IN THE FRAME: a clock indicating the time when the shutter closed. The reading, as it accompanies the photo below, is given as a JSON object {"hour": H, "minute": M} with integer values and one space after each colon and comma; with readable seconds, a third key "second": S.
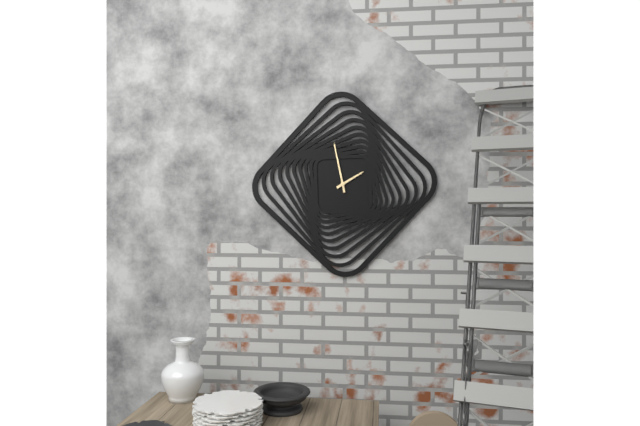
{"hour": 1, "minute": 58}
